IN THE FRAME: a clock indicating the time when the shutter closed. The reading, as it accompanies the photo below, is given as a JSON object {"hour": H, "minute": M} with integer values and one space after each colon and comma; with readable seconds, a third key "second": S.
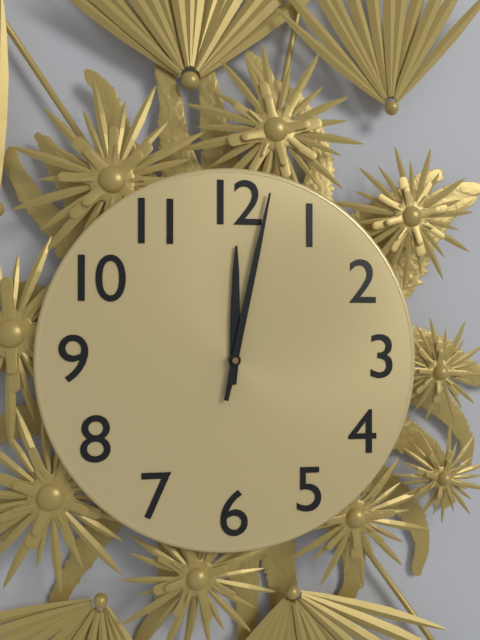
{"hour": 12, "minute": 2}
